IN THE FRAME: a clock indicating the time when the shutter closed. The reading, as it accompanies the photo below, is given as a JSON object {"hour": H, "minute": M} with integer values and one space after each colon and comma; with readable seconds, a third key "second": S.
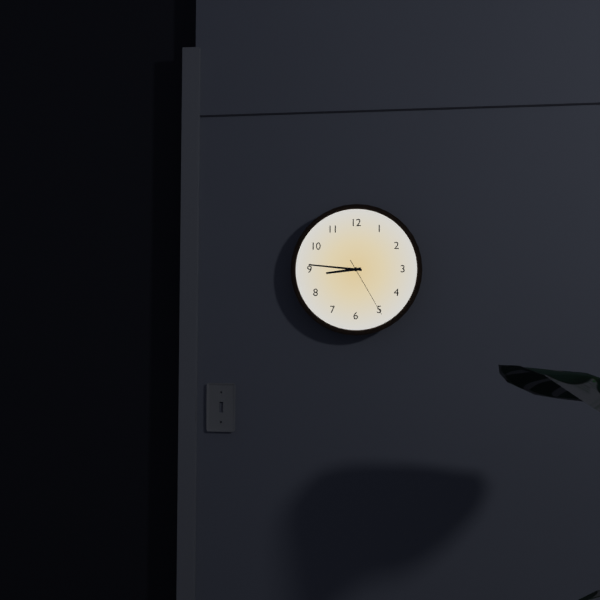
{"hour": 8, "minute": 46, "second": 25}
